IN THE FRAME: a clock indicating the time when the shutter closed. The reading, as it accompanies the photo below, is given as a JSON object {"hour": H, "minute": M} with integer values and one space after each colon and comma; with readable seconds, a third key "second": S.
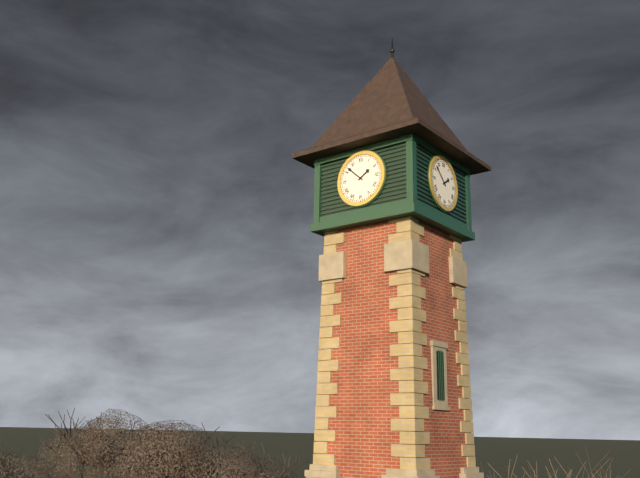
{"hour": 1, "minute": 52}
